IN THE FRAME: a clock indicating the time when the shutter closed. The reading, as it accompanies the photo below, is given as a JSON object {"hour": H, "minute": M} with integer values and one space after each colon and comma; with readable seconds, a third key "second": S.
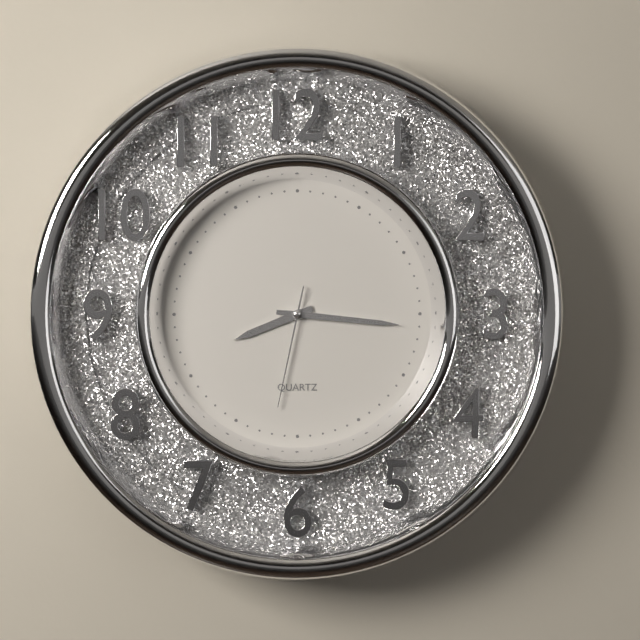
{"hour": 8, "minute": 16, "second": 32}
